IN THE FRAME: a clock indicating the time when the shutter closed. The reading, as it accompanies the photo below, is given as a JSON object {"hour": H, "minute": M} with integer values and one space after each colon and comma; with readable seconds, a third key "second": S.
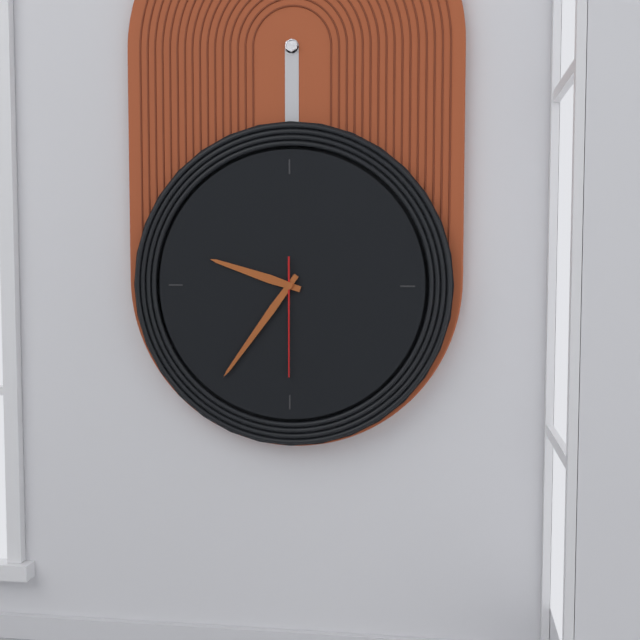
{"hour": 9, "minute": 36, "second": 30}
